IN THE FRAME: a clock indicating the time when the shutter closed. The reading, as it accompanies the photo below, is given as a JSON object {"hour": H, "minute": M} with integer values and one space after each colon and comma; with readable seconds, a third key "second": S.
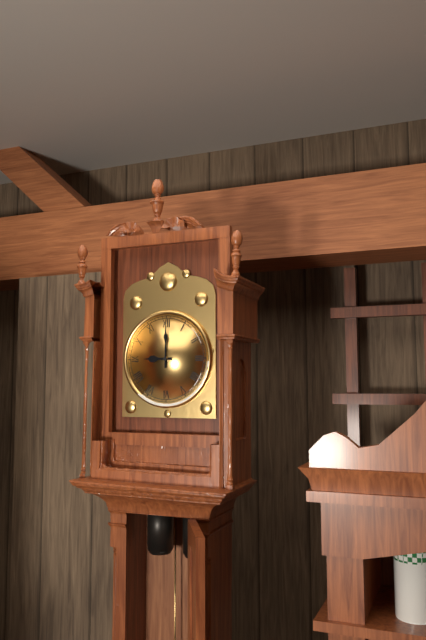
{"hour": 9, "minute": 0}
